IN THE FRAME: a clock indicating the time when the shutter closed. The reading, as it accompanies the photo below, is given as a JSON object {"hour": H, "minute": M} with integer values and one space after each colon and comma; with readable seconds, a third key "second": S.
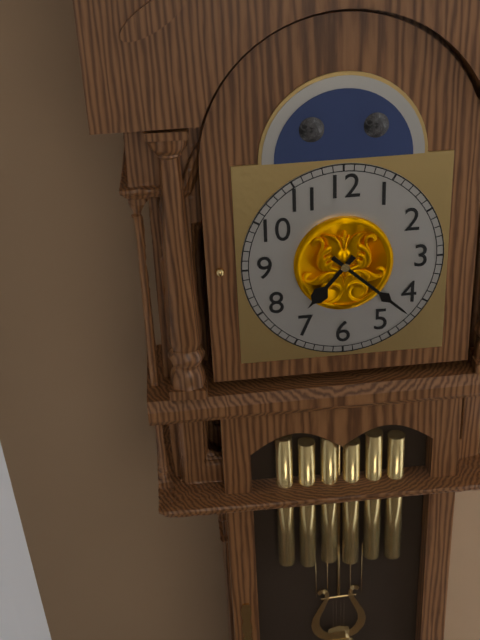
{"hour": 7, "minute": 22}
